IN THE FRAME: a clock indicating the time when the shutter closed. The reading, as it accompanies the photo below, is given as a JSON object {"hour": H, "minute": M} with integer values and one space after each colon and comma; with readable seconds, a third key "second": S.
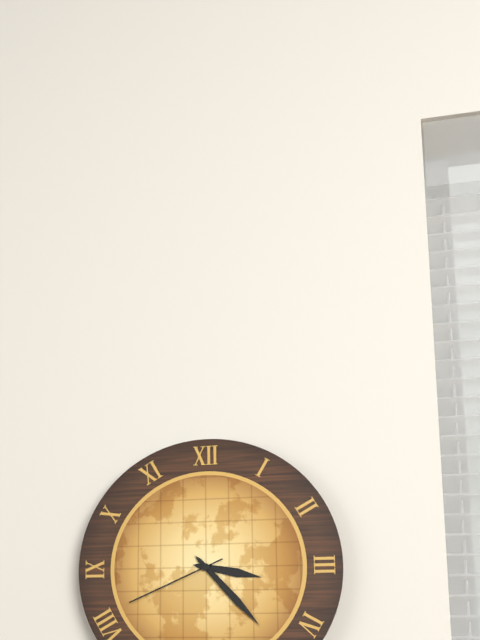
{"hour": 3, "minute": 23, "second": 41}
